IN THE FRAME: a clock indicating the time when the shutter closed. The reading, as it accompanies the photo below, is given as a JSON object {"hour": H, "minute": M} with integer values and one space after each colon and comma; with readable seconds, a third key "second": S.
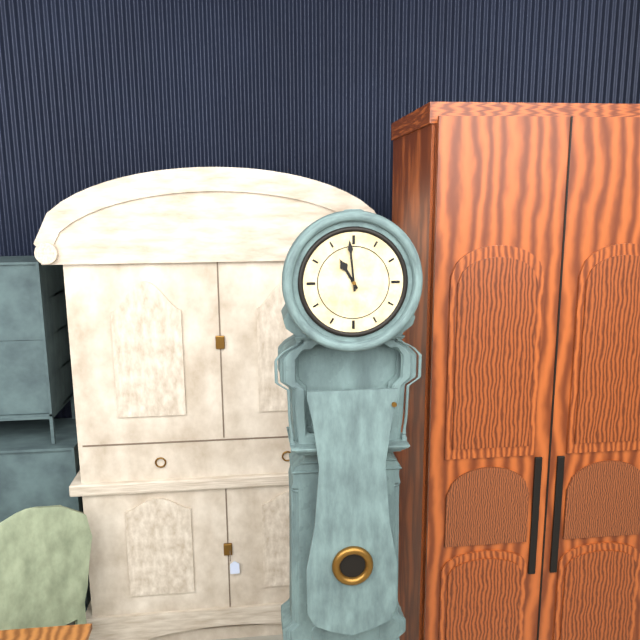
{"hour": 10, "minute": 59}
